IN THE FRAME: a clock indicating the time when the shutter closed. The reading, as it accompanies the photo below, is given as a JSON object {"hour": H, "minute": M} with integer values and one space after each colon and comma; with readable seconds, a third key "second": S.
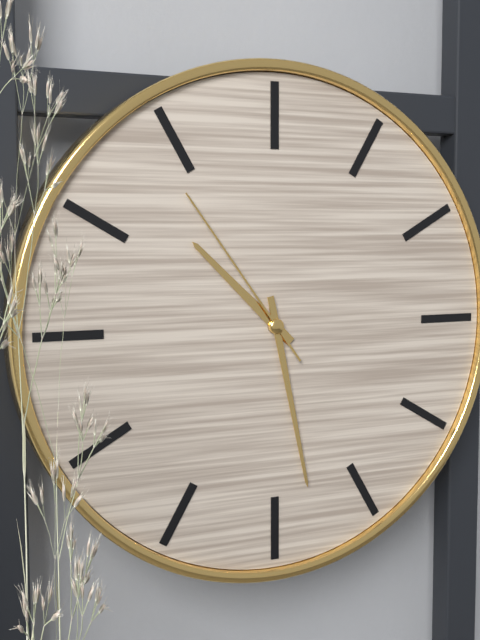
{"hour": 10, "minute": 28, "second": 54}
